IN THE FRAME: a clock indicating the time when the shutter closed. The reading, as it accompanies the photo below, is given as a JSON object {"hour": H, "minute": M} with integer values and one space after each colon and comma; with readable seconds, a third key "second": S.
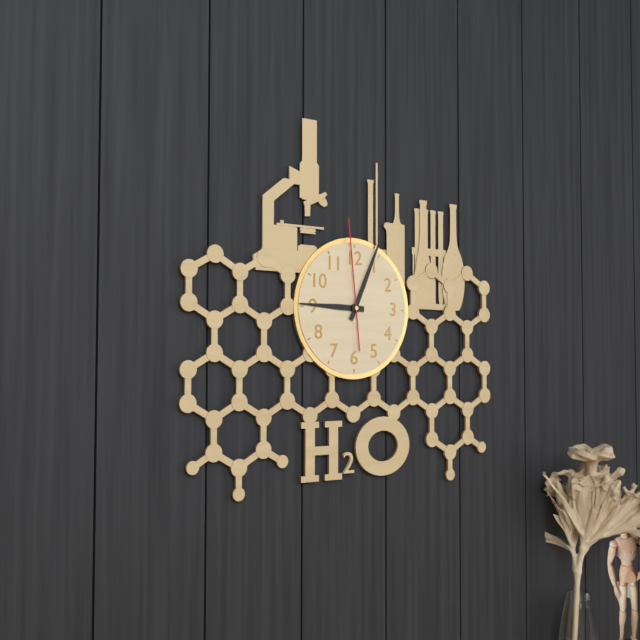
{"hour": 9, "minute": 4, "second": 59}
